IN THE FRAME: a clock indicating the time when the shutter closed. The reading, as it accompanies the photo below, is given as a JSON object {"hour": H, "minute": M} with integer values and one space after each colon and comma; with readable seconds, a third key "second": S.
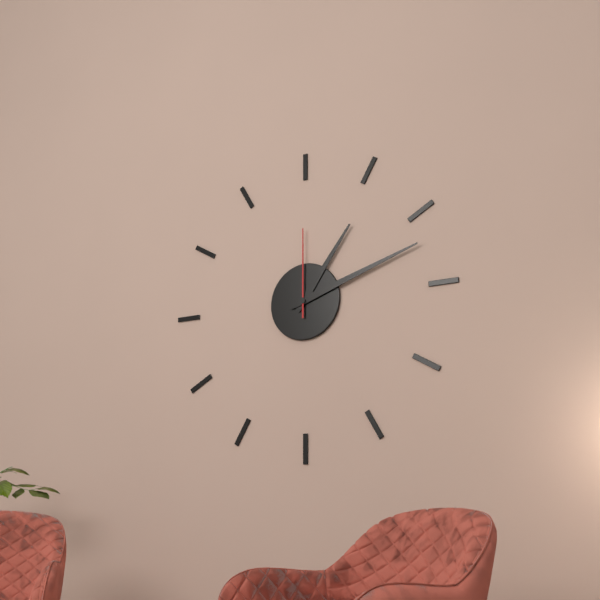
{"hour": 1, "minute": 12, "second": 0}
